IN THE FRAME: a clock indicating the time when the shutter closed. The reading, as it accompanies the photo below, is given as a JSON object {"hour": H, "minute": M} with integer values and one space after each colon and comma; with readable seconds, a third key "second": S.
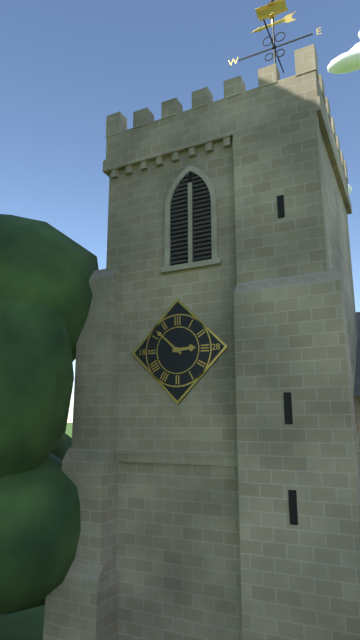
{"hour": 2, "minute": 52}
